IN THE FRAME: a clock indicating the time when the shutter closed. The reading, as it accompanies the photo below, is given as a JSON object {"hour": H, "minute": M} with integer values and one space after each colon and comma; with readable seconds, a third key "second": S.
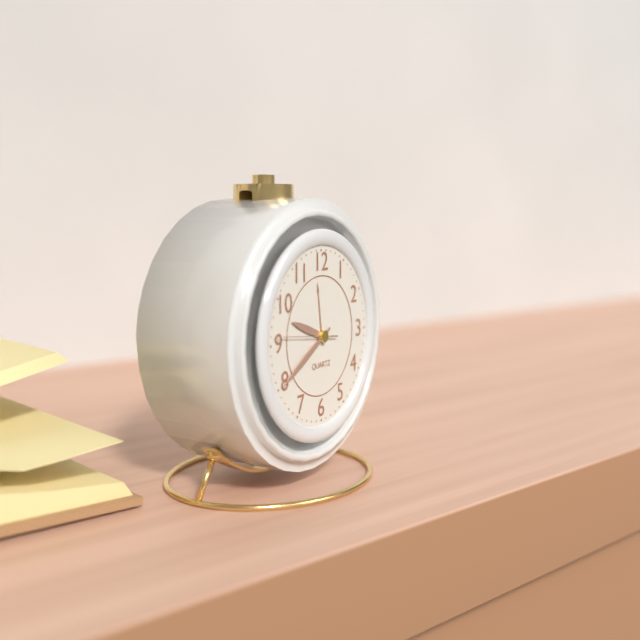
{"hour": 9, "minute": 40, "second": 46}
